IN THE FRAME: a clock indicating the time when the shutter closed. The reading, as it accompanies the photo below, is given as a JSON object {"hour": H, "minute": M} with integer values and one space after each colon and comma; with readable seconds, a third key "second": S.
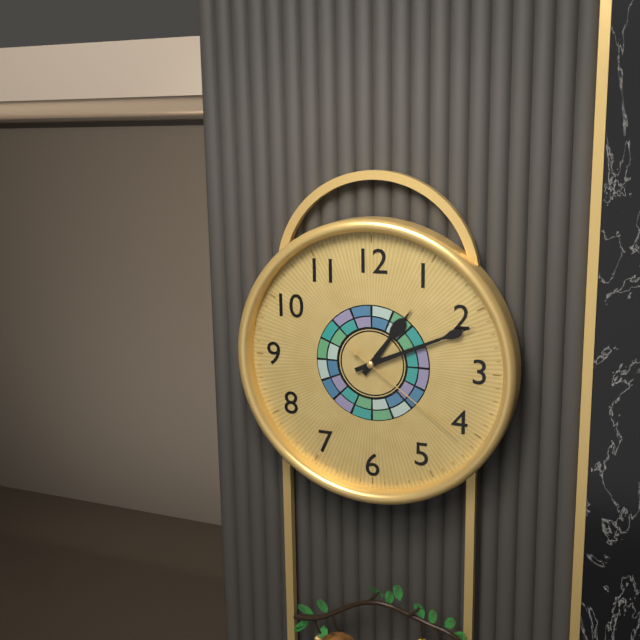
{"hour": 1, "minute": 11, "second": 21}
